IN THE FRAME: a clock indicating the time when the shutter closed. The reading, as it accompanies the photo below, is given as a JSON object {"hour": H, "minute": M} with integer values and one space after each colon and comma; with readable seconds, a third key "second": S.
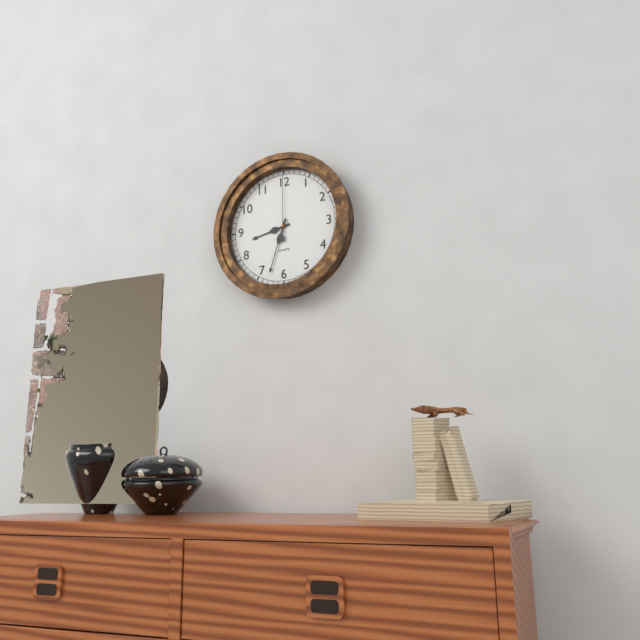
{"hour": 8, "minute": 33, "second": 0}
